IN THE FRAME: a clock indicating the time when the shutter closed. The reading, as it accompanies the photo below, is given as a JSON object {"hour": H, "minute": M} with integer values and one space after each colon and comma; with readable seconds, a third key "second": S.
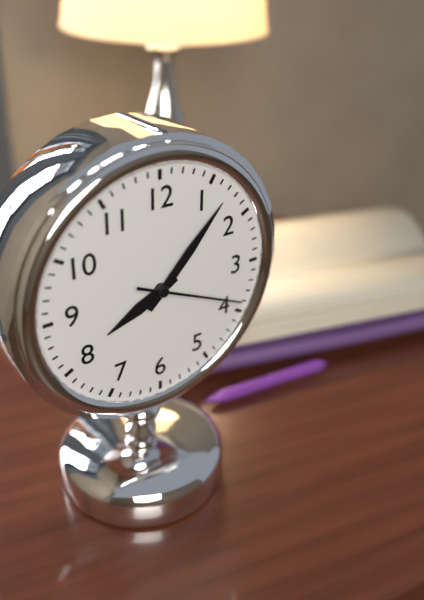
{"hour": 8, "minute": 7, "second": 19}
